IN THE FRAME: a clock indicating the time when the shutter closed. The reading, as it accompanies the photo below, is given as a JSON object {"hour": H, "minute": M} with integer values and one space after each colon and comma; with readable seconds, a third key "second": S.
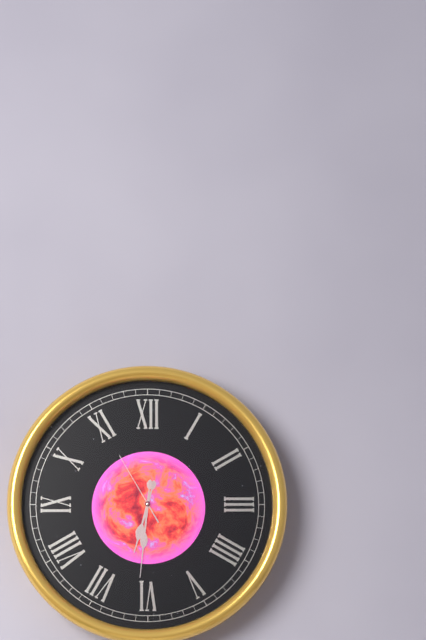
{"hour": 6, "minute": 31, "second": 55}
